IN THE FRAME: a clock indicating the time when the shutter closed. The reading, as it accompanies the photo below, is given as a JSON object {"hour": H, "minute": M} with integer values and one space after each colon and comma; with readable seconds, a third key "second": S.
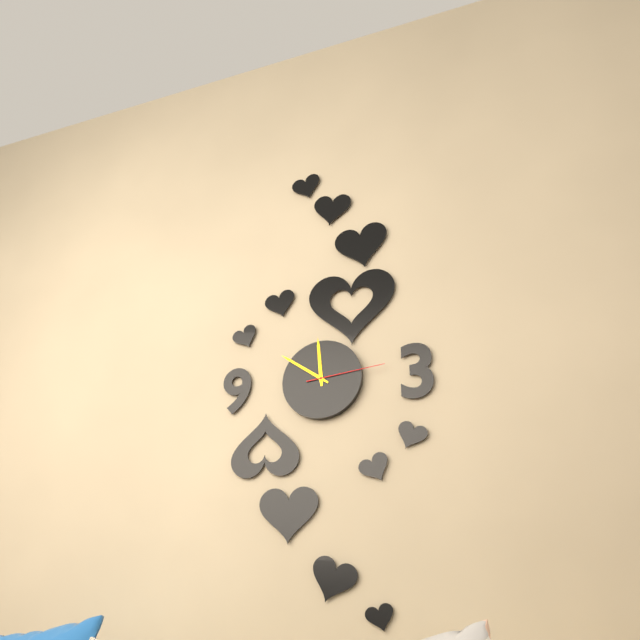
{"hour": 11, "minute": 51, "second": 14}
